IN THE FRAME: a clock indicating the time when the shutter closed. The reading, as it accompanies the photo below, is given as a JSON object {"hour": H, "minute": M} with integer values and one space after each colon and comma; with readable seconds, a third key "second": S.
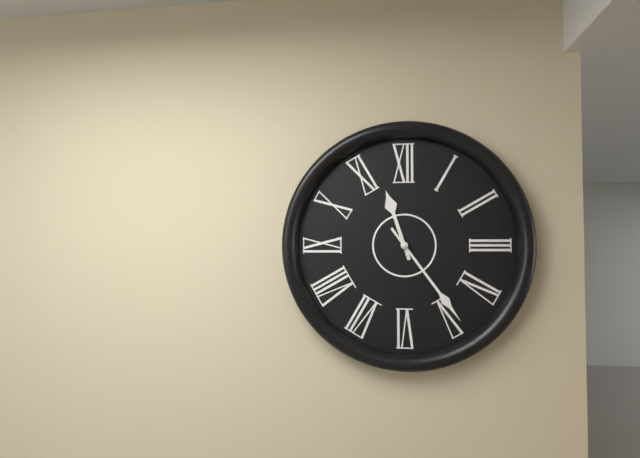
{"hour": 11, "minute": 24}
